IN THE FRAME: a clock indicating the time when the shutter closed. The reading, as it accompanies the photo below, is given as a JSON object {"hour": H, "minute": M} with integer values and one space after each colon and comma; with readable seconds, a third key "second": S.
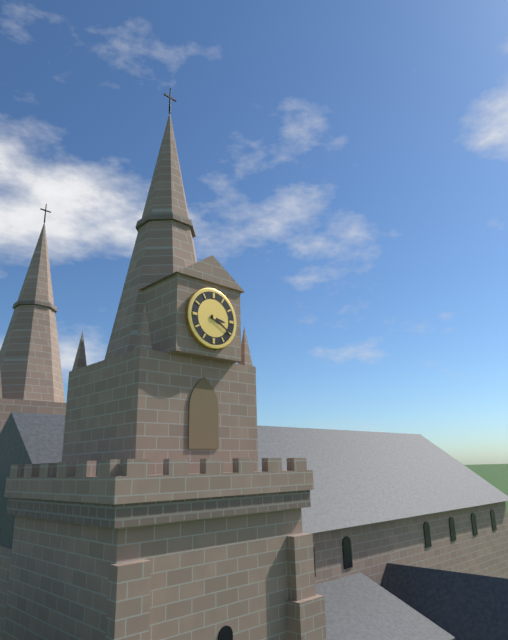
{"hour": 3, "minute": 20}
